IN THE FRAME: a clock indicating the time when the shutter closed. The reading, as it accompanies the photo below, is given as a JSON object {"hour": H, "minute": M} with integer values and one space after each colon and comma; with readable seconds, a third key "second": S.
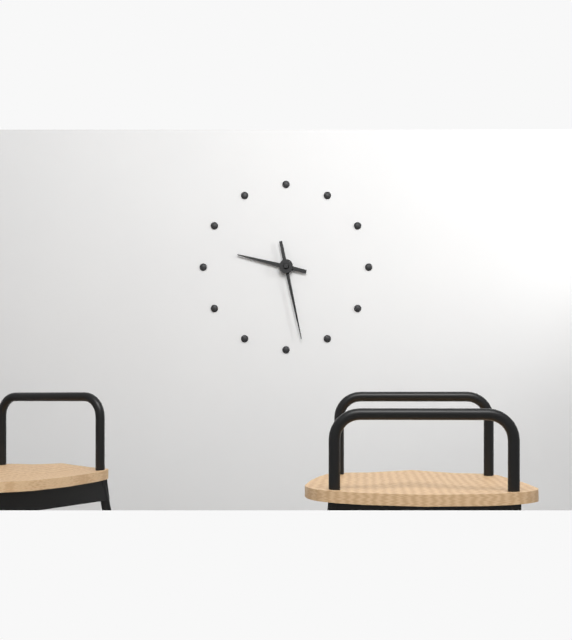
{"hour": 9, "minute": 28}
